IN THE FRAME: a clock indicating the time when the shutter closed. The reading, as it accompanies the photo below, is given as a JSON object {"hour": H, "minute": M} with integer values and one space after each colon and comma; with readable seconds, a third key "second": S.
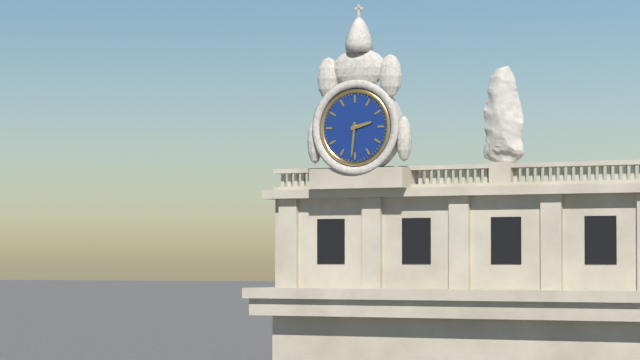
{"hour": 2, "minute": 31}
